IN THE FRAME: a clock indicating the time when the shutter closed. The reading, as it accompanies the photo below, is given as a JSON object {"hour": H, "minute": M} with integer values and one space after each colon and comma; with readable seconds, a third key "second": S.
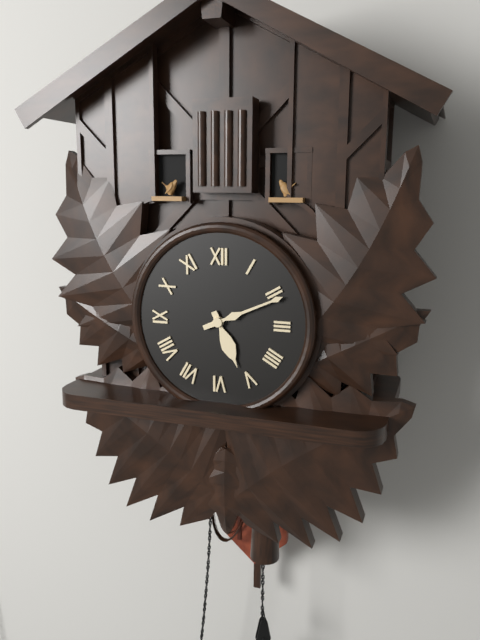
{"hour": 5, "minute": 11}
